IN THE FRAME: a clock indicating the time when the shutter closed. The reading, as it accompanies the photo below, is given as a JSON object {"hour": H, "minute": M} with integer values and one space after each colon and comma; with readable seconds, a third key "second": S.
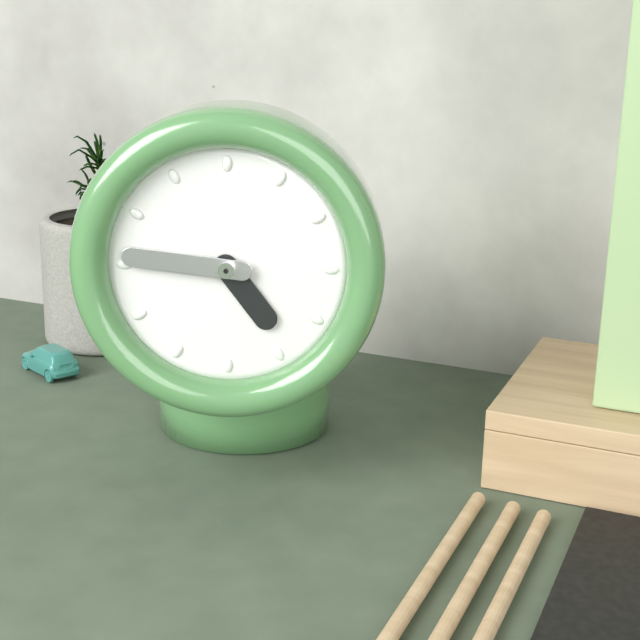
{"hour": 4, "minute": 46}
